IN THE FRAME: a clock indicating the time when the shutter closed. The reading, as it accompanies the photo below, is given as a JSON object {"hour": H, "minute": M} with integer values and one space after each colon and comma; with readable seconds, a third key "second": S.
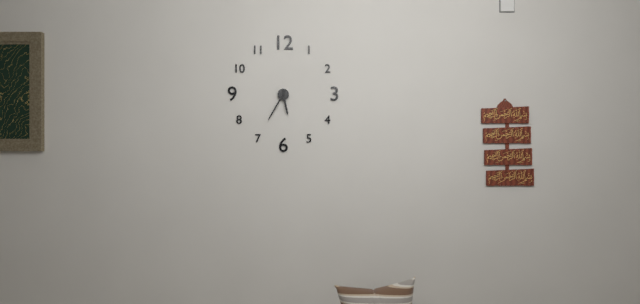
{"hour": 5, "minute": 35}
